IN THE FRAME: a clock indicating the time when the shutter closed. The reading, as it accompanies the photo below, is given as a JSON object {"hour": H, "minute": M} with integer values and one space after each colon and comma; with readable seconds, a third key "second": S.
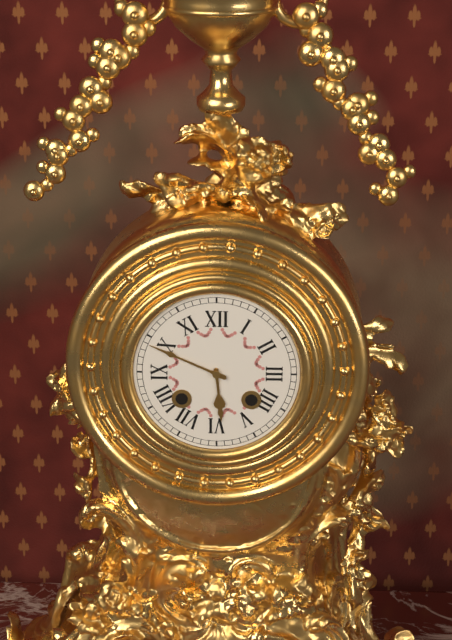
{"hour": 5, "minute": 49}
